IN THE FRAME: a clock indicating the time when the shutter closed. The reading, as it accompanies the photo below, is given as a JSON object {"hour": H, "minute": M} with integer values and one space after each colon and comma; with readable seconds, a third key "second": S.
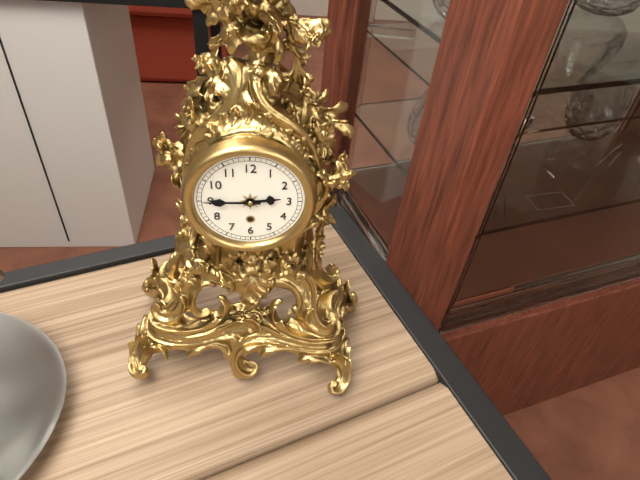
{"hour": 2, "minute": 45}
